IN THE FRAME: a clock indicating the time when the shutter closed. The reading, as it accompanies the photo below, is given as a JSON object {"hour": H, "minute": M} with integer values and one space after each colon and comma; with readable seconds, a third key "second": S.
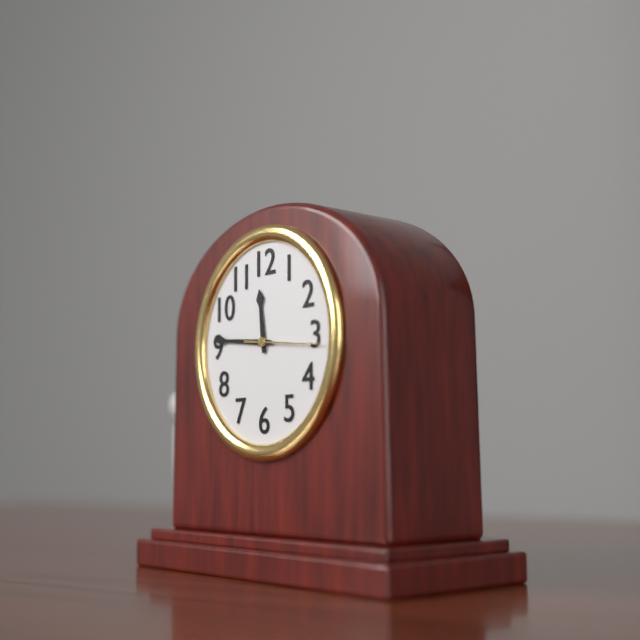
{"hour": 11, "minute": 46, "second": 16}
